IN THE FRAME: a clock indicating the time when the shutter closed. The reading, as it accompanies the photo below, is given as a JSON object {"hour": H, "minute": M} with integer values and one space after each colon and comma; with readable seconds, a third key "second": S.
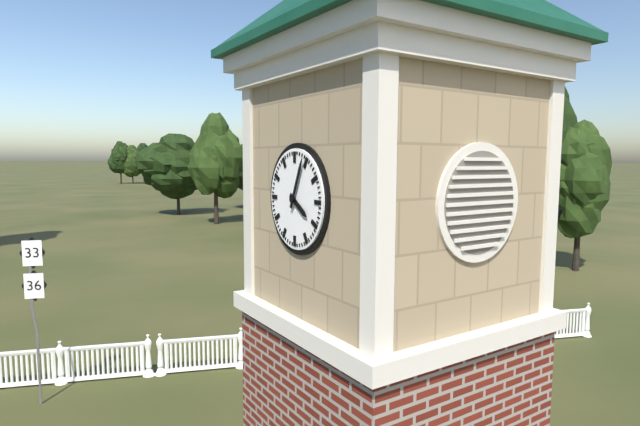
{"hour": 4, "minute": 4}
